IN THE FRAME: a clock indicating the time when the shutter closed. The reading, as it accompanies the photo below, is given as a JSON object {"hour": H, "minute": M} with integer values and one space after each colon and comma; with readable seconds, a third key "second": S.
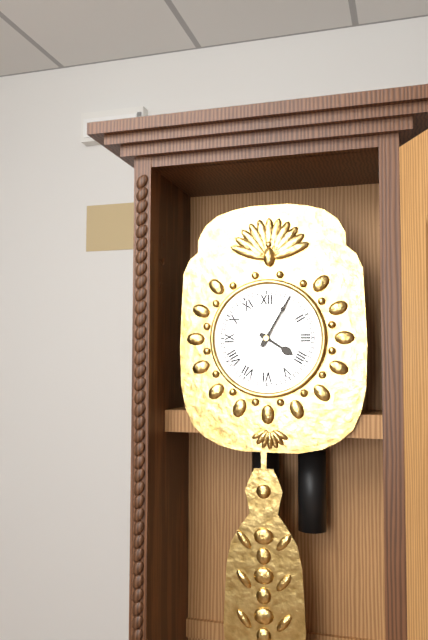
{"hour": 4, "minute": 5}
